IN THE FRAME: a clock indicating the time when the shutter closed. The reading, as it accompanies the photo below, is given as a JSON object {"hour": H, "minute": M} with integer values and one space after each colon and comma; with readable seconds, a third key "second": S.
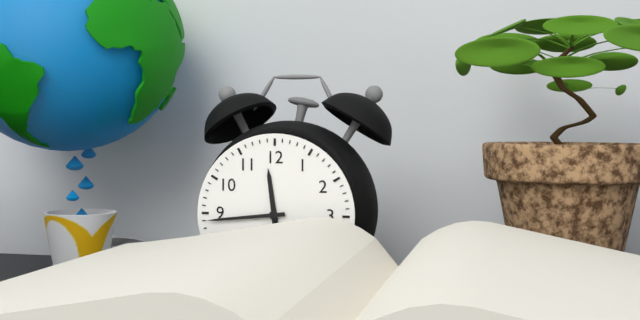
{"hour": 11, "minute": 44}
